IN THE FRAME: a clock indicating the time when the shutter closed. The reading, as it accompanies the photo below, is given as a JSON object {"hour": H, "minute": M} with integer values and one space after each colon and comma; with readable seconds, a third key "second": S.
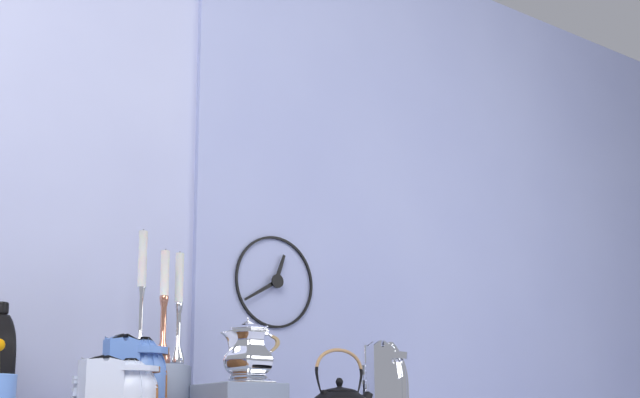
{"hour": 12, "minute": 40}
